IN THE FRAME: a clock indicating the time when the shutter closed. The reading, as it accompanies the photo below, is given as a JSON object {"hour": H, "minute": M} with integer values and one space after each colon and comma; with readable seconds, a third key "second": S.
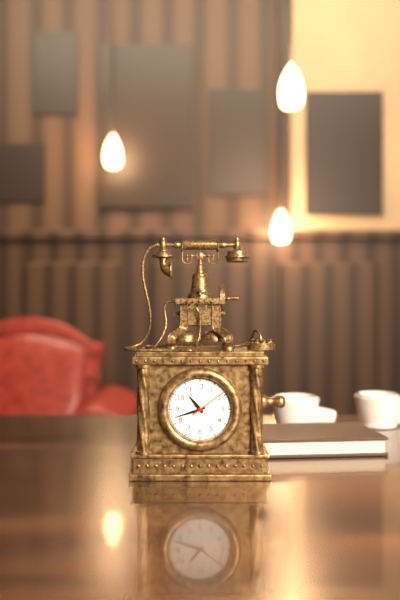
{"hour": 10, "minute": 42}
